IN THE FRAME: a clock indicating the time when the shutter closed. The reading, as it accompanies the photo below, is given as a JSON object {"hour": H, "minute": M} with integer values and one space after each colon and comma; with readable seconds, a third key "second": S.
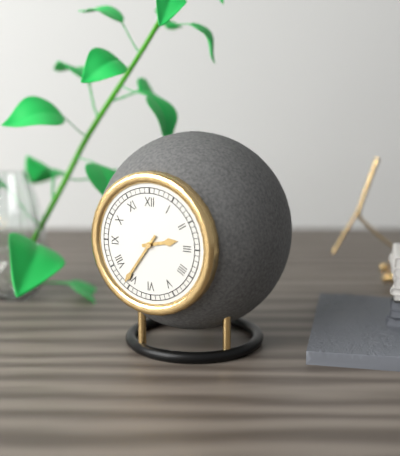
{"hour": 2, "minute": 36}
